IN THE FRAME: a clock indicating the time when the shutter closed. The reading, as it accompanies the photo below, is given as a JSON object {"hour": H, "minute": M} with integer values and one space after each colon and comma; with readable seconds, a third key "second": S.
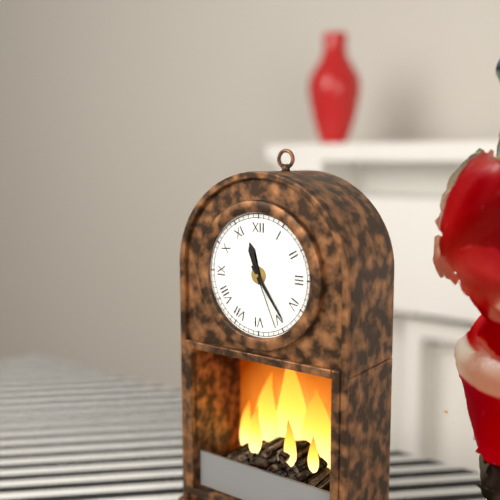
{"hour": 11, "minute": 24, "second": 26}
